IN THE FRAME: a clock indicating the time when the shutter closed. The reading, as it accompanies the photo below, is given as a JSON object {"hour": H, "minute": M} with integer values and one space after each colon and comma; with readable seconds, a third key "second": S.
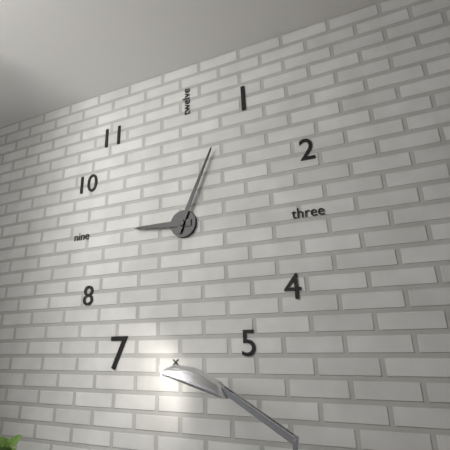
{"hour": 9, "minute": 4}
